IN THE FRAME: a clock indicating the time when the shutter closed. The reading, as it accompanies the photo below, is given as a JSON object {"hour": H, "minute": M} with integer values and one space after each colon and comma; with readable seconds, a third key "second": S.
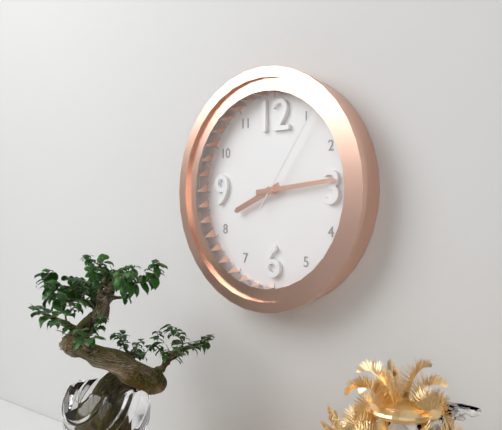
{"hour": 8, "minute": 14, "second": 6}
